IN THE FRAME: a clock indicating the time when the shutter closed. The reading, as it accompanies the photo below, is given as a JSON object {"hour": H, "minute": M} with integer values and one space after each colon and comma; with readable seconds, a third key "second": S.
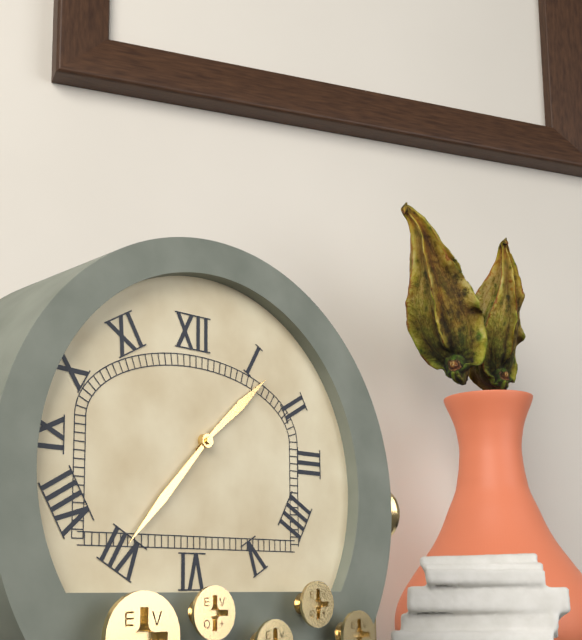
{"hour": 1, "minute": 37}
